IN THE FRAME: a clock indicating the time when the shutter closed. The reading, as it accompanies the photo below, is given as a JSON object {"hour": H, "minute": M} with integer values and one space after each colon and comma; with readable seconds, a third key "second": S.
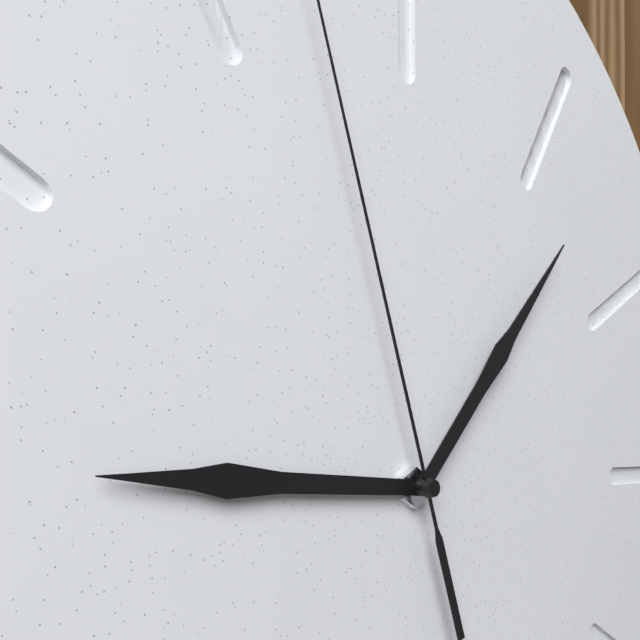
{"hour": 9, "minute": 7}
